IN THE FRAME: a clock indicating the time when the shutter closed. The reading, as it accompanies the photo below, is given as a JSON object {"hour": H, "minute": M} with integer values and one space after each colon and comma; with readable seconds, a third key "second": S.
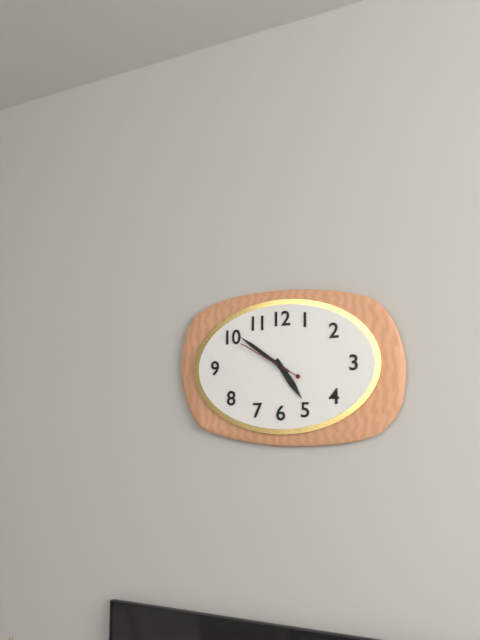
{"hour": 4, "minute": 51, "second": 50}
